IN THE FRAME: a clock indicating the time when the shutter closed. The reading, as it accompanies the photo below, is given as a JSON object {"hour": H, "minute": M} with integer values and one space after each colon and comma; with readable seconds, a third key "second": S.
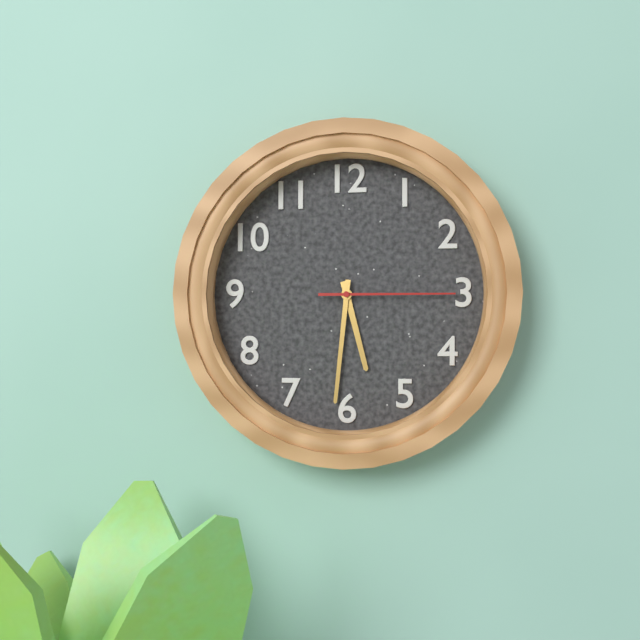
{"hour": 5, "minute": 31, "second": 15}
